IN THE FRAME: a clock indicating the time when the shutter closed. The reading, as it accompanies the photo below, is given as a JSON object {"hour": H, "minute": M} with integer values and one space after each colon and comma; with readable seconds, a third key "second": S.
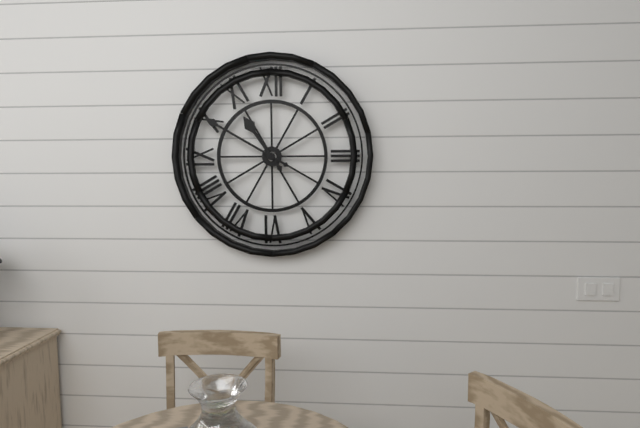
{"hour": 10, "minute": 50}
